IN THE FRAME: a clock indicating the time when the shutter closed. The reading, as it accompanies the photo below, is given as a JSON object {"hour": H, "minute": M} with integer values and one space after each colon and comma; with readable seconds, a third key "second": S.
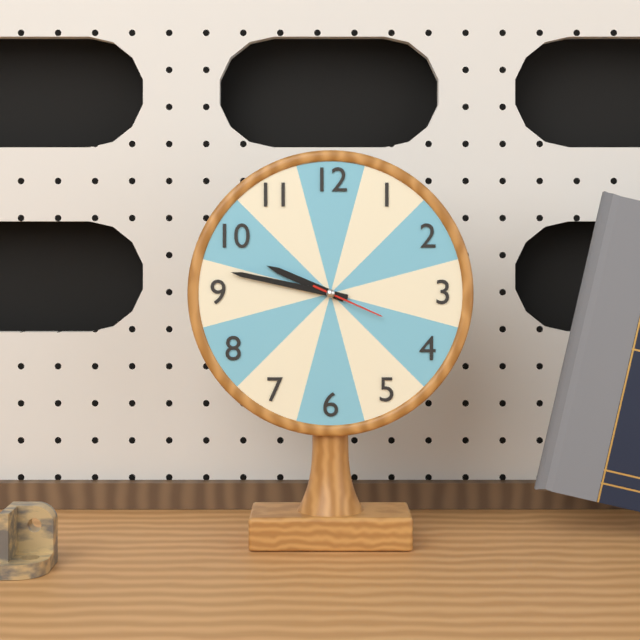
{"hour": 9, "minute": 47, "second": 19}
